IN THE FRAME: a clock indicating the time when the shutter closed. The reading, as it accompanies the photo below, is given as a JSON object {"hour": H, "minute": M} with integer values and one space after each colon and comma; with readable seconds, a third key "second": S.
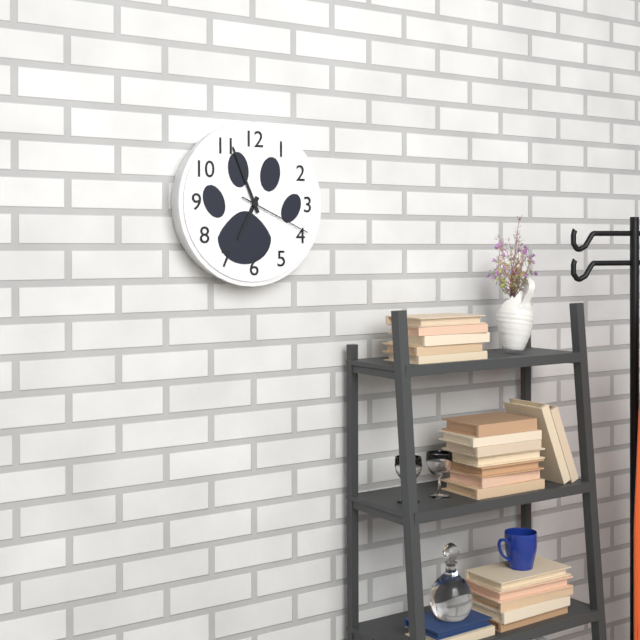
{"hour": 6, "minute": 56, "second": 19}
